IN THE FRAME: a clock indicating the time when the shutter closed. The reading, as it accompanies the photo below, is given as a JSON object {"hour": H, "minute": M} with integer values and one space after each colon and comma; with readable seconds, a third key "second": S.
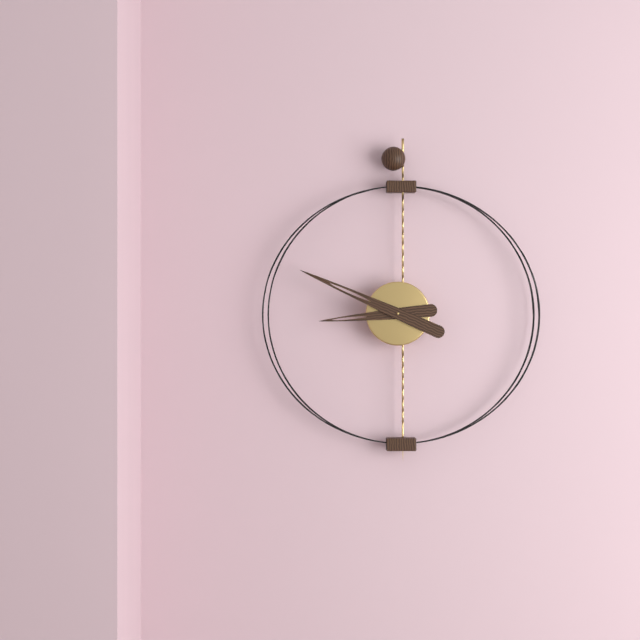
{"hour": 8, "minute": 49}
